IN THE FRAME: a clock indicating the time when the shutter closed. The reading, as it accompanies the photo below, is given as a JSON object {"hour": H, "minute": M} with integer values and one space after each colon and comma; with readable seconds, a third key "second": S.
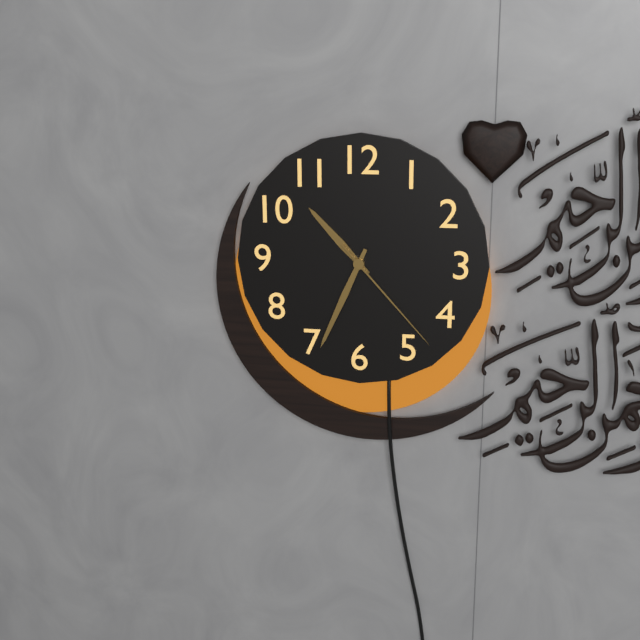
{"hour": 10, "minute": 34, "second": 23}
